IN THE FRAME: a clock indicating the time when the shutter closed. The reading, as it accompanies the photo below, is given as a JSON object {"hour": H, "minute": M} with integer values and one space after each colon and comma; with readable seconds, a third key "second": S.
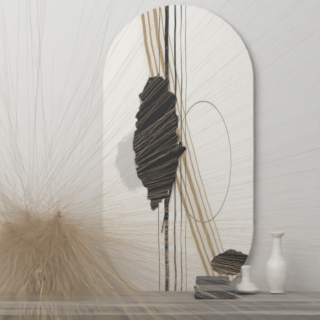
{"hour": 7, "minute": 32}
